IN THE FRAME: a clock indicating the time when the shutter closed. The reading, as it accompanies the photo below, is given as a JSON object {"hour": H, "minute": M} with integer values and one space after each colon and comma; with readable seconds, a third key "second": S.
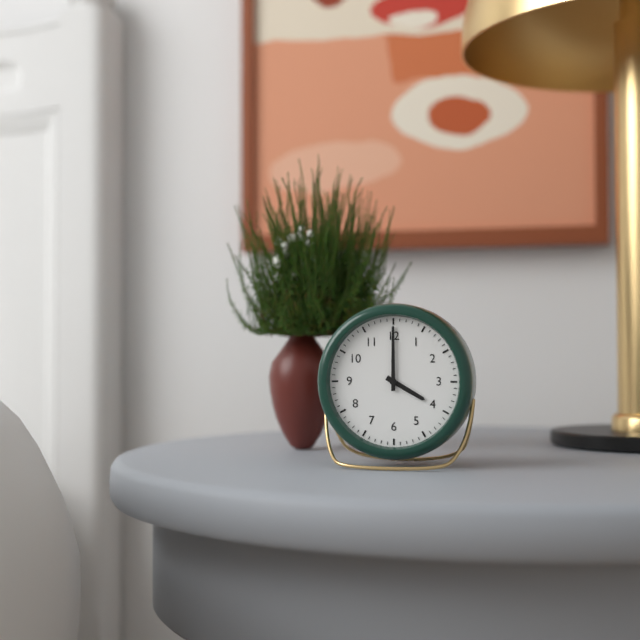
{"hour": 4, "minute": 0}
